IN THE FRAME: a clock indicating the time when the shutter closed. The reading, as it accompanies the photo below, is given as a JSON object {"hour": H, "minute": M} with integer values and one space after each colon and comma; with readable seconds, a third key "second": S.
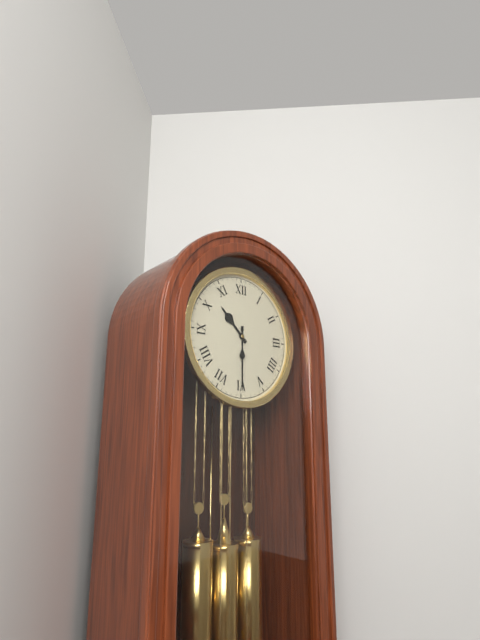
{"hour": 10, "minute": 30}
